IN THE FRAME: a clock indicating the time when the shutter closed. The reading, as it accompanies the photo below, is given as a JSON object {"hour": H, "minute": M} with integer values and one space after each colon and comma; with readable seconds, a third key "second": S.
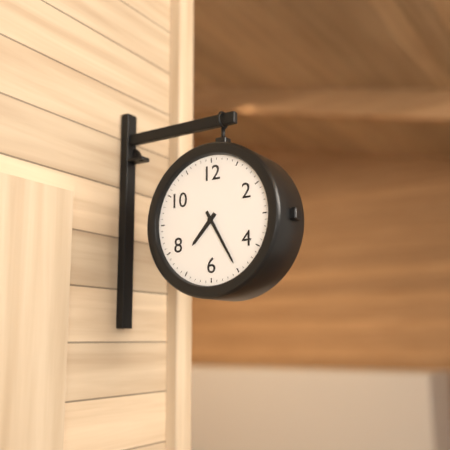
{"hour": 7, "minute": 25}
